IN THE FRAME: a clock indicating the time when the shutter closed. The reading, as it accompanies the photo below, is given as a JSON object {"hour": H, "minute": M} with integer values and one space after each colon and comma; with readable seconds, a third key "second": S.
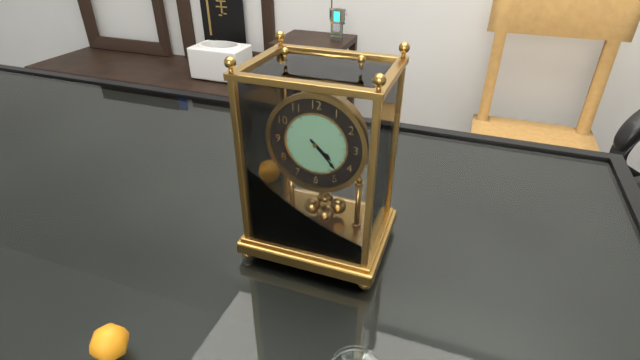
{"hour": 4, "minute": 23}
